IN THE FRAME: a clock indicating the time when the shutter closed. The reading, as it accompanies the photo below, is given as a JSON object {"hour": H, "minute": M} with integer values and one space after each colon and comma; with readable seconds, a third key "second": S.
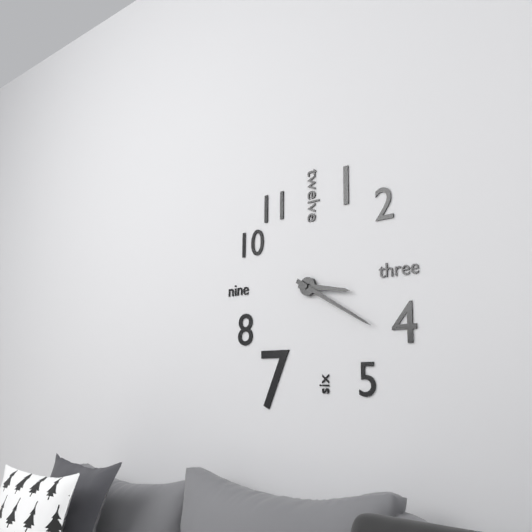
{"hour": 3, "minute": 20}
